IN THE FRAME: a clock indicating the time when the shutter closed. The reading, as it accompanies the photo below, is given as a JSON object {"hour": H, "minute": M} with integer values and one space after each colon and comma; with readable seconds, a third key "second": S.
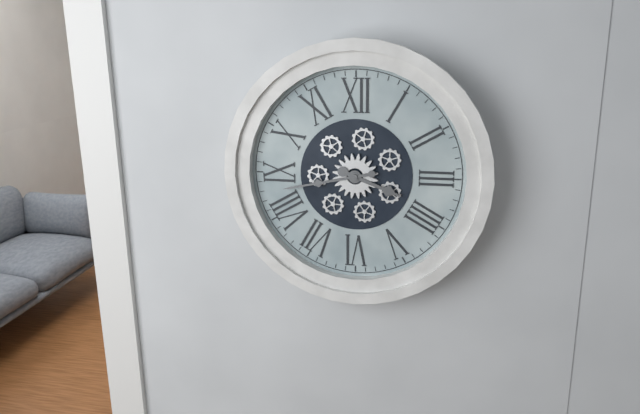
{"hour": 3, "minute": 43}
